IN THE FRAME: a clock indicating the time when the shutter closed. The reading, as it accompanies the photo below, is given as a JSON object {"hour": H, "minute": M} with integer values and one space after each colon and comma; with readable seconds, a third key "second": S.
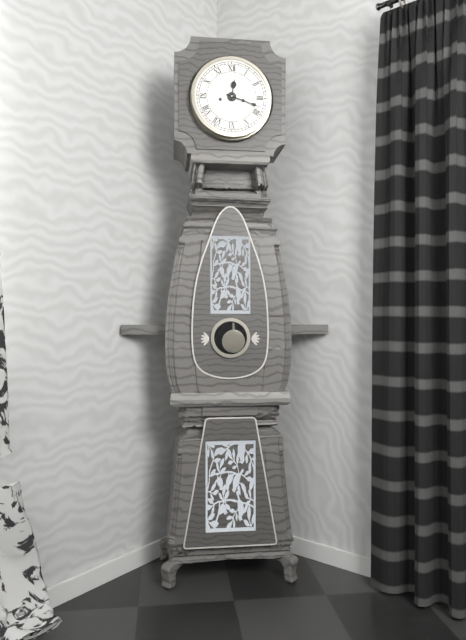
{"hour": 12, "minute": 18}
